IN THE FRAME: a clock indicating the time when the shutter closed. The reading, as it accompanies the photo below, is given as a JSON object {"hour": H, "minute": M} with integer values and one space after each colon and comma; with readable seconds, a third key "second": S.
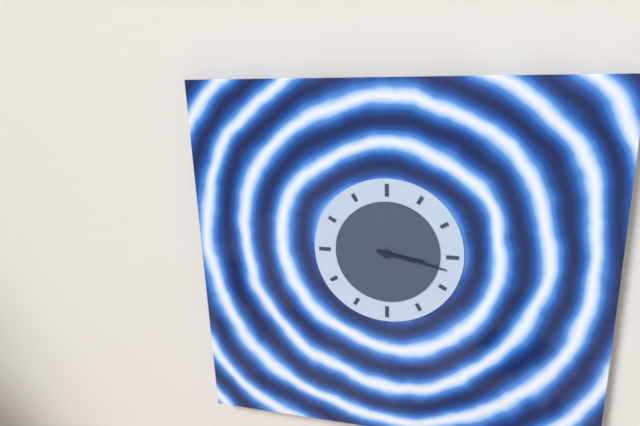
{"hour": 3, "minute": 17}
